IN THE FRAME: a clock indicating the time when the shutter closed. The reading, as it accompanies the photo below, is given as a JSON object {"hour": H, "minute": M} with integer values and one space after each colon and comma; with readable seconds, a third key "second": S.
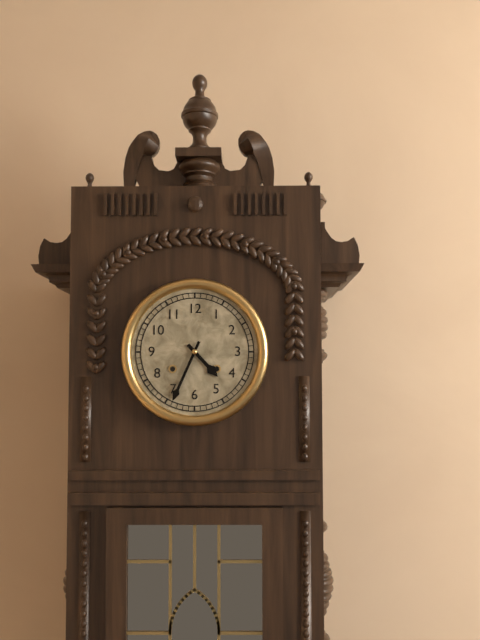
{"hour": 4, "minute": 34}
